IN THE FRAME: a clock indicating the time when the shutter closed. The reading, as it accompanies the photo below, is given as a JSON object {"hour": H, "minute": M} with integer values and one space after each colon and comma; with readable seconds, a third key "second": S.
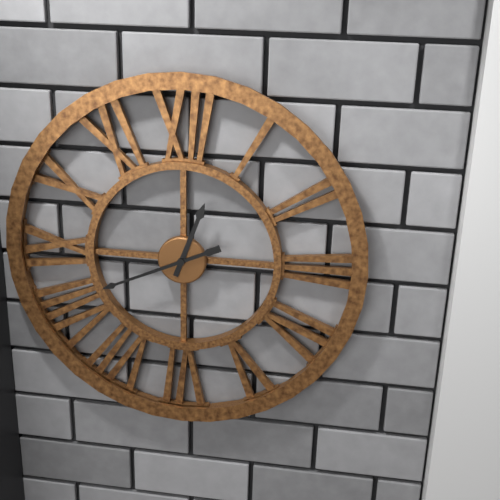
{"hour": 12, "minute": 41}
